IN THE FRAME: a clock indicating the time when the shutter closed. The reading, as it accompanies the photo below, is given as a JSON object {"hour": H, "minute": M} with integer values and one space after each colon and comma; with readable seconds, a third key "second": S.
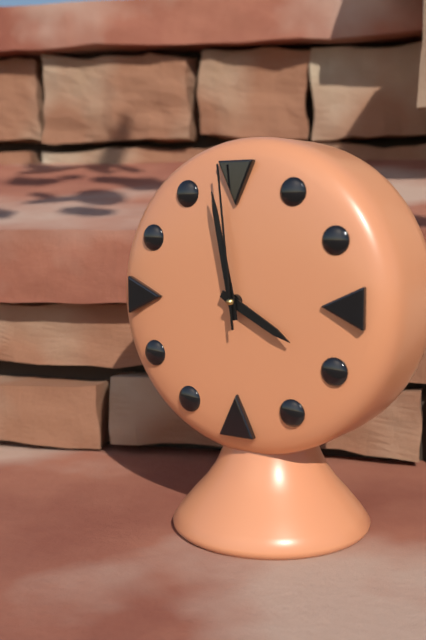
{"hour": 3, "minute": 58, "second": 59}
